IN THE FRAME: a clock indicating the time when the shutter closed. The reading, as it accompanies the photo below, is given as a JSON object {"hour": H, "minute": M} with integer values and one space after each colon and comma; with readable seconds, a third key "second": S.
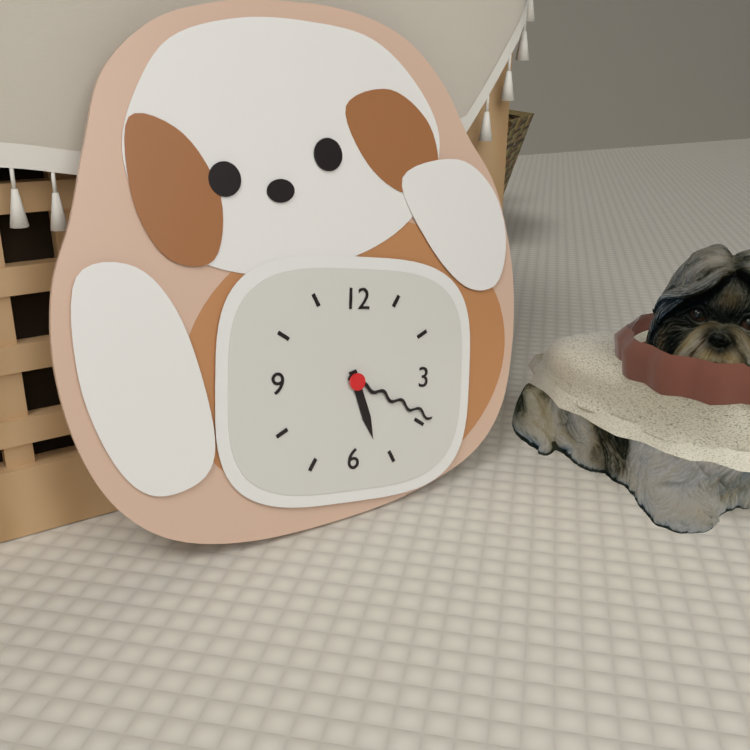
{"hour": 5, "minute": 19}
